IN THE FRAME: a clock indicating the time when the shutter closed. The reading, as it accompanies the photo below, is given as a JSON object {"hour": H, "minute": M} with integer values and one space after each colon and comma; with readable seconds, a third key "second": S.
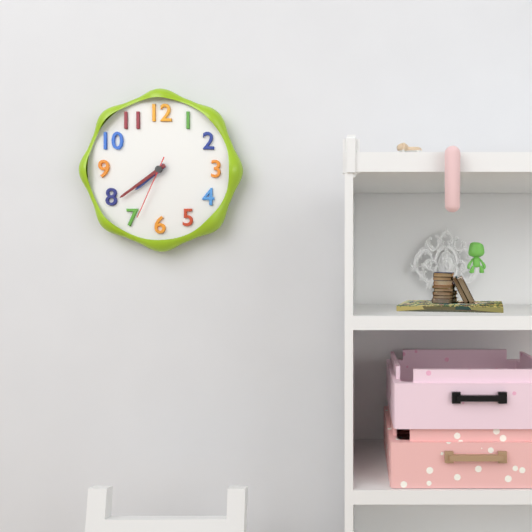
{"hour": 7, "minute": 39, "second": 34}
